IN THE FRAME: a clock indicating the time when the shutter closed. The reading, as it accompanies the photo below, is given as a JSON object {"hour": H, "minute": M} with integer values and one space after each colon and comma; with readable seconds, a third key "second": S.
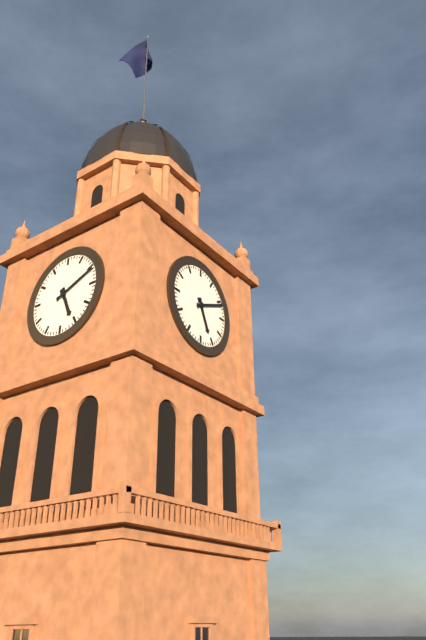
{"hour": 5, "minute": 11}
